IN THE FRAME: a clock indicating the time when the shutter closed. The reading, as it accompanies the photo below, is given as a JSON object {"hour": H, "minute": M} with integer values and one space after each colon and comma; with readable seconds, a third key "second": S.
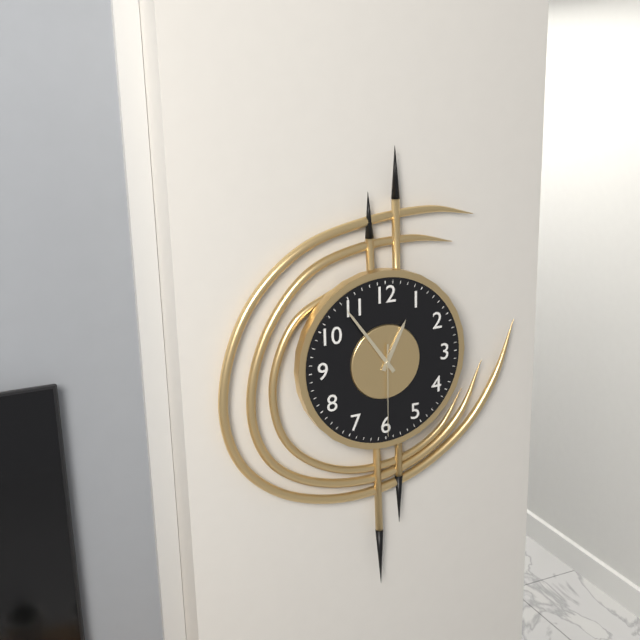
{"hour": 12, "minute": 54, "second": 30}
